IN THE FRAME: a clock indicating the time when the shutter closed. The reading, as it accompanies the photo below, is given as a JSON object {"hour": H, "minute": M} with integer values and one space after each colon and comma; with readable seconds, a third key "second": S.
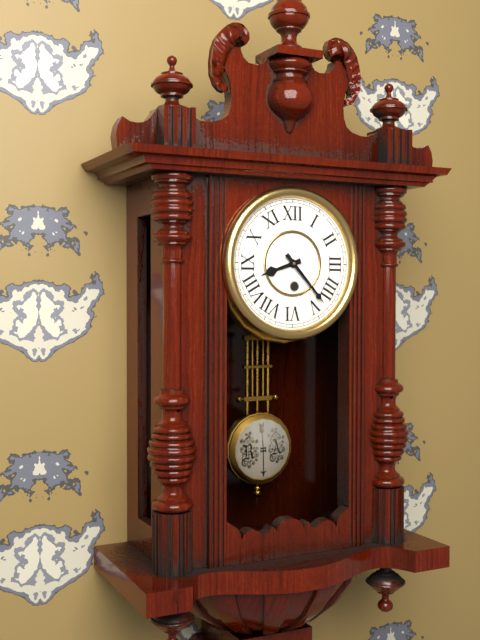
{"hour": 8, "minute": 23}
